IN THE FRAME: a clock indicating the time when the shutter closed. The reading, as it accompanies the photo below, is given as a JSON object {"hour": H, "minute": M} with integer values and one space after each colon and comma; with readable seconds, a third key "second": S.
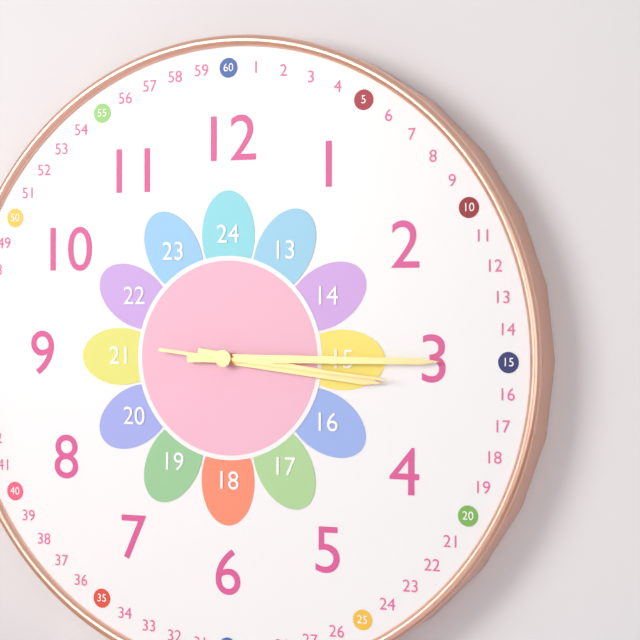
{"hour": 3, "minute": 15, "second": 16}
